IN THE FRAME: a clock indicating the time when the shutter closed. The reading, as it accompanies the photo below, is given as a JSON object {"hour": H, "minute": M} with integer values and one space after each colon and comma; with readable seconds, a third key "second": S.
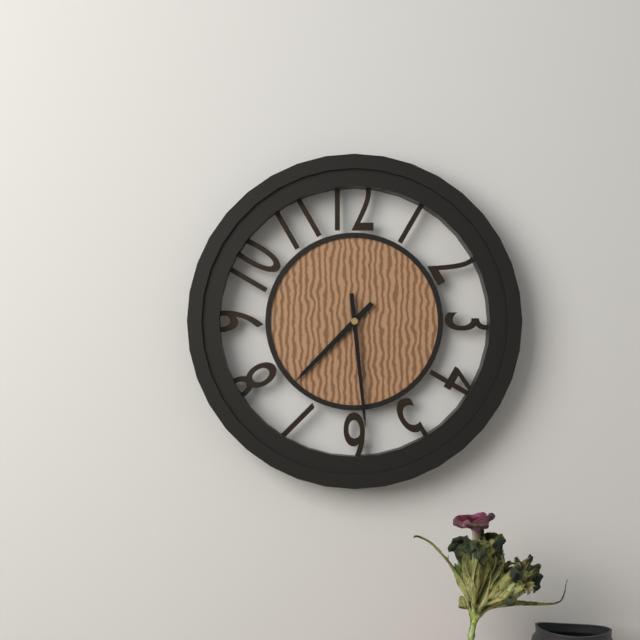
{"hour": 7, "minute": 29}
